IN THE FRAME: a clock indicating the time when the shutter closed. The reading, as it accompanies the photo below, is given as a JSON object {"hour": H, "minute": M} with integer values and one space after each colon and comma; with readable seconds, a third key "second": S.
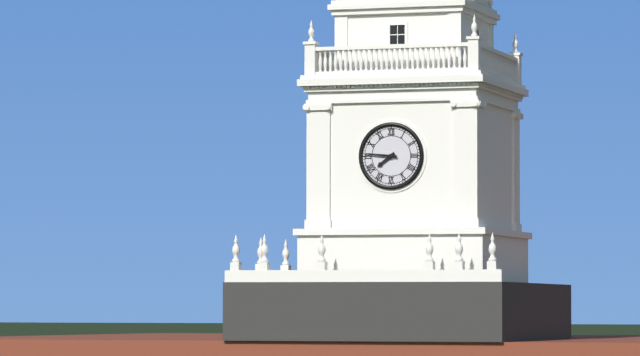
{"hour": 7, "minute": 46}
